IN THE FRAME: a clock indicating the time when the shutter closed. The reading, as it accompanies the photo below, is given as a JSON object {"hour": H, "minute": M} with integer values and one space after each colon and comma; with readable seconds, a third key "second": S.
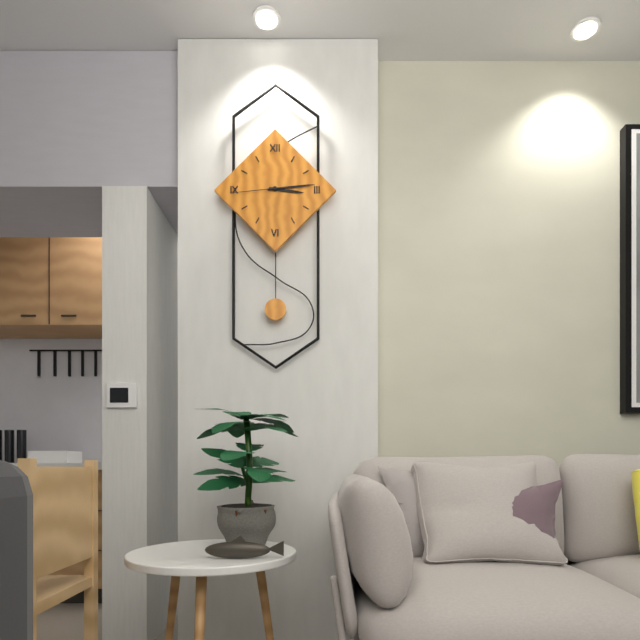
{"hour": 3, "minute": 14, "second": 44}
